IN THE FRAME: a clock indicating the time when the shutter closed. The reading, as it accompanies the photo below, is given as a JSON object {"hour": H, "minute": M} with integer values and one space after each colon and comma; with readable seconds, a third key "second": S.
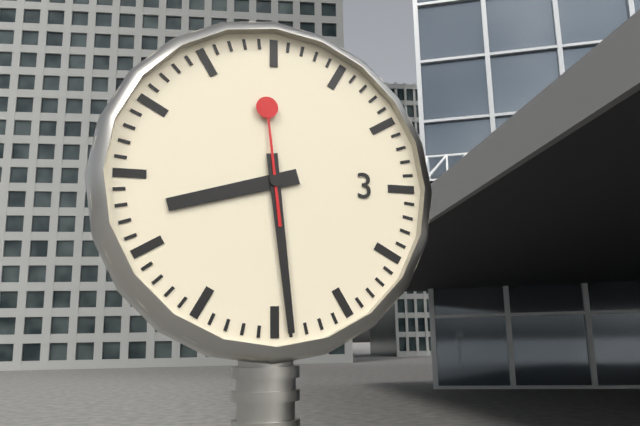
{"hour": 8, "minute": 29, "second": 59}
